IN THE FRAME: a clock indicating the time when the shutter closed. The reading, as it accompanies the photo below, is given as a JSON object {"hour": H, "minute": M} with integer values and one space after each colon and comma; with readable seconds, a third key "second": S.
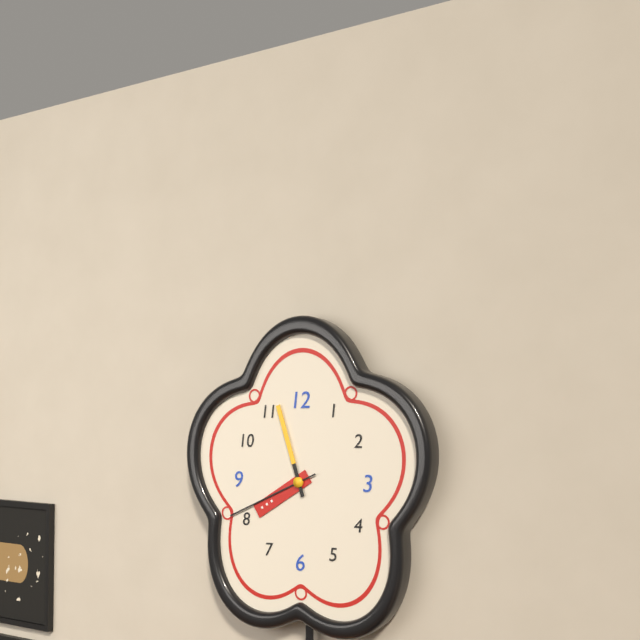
{"hour": 7, "minute": 57, "second": 41}
